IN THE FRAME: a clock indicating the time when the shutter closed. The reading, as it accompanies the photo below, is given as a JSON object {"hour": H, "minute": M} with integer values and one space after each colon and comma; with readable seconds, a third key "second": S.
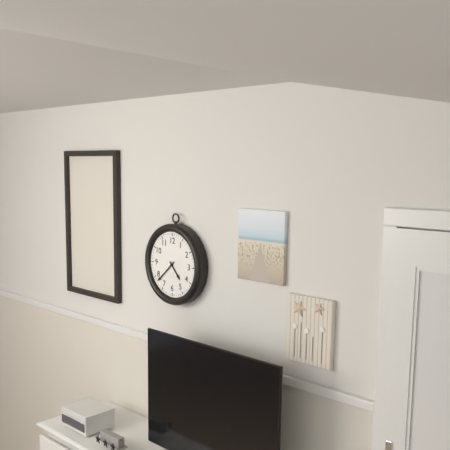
{"hour": 4, "minute": 38}
